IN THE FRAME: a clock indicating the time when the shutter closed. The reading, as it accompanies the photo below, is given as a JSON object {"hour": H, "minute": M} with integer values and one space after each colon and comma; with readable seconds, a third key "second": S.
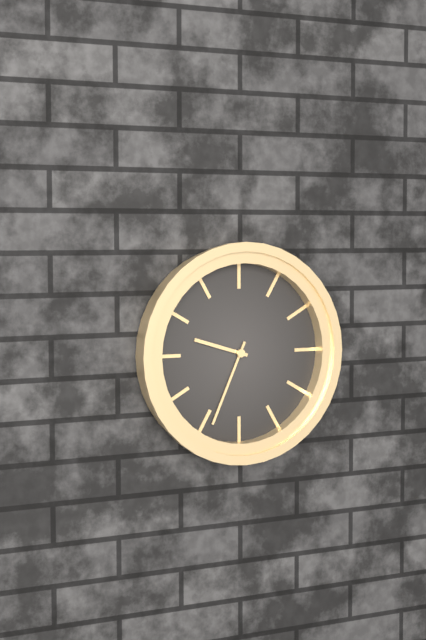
{"hour": 9, "minute": 34}
